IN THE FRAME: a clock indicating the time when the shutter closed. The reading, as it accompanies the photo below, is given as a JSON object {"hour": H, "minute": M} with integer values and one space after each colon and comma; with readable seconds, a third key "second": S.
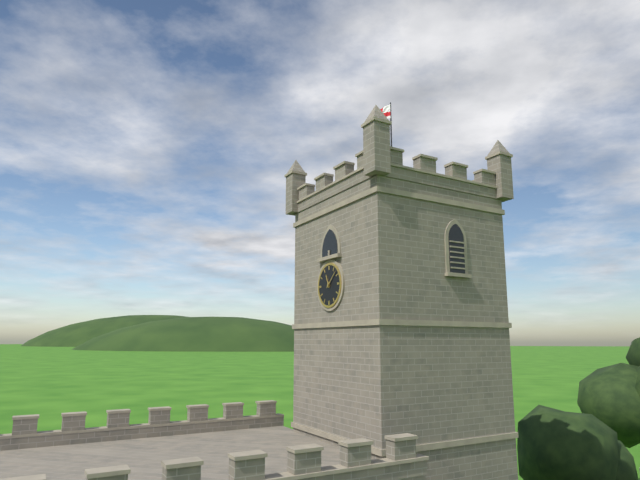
{"hour": 11, "minute": 8}
